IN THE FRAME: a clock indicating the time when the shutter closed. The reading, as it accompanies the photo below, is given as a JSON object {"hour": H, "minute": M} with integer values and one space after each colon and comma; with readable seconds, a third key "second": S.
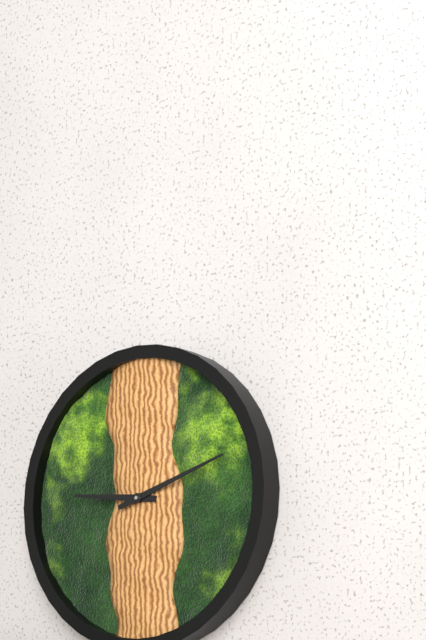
{"hour": 9, "minute": 12}
